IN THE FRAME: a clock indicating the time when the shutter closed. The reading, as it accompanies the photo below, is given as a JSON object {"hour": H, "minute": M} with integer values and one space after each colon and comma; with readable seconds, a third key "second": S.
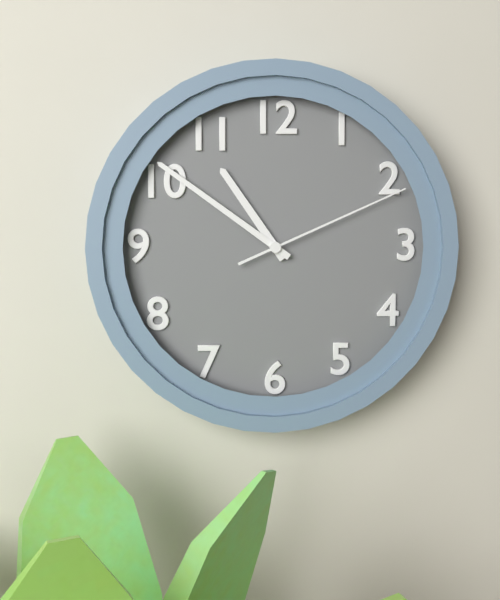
{"hour": 10, "minute": 51, "second": 11}
